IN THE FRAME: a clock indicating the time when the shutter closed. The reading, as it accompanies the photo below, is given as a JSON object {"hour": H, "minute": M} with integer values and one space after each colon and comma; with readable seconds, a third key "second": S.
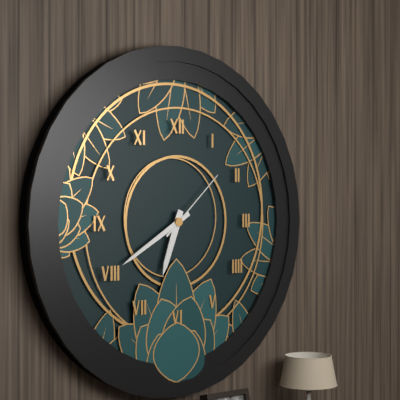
{"hour": 6, "minute": 40, "second": 8}
